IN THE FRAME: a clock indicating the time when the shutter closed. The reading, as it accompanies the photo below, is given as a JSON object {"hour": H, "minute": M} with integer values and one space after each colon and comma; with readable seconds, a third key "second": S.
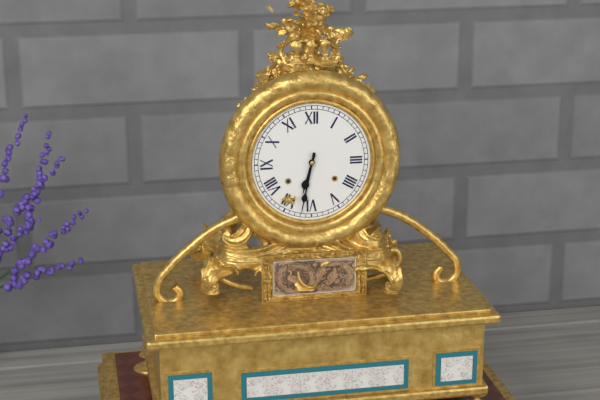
{"hour": 6, "minute": 32}
